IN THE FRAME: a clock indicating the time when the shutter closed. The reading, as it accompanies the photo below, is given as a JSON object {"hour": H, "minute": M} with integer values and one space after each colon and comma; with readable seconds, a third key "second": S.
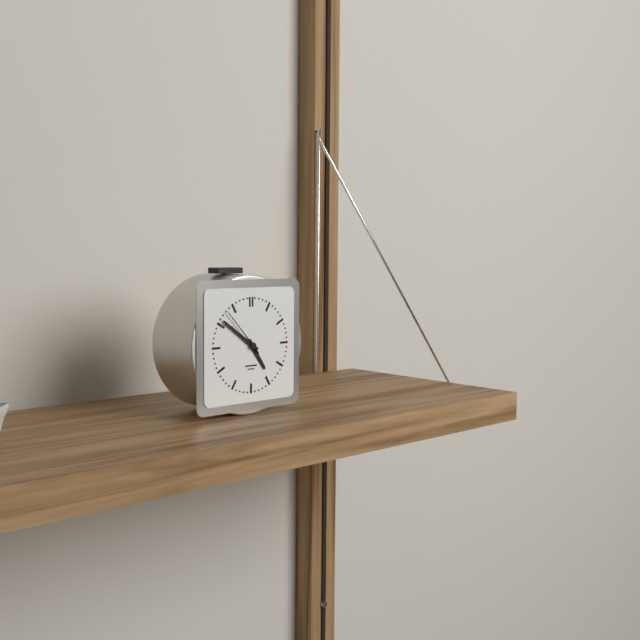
{"hour": 4, "minute": 51, "second": 53}
